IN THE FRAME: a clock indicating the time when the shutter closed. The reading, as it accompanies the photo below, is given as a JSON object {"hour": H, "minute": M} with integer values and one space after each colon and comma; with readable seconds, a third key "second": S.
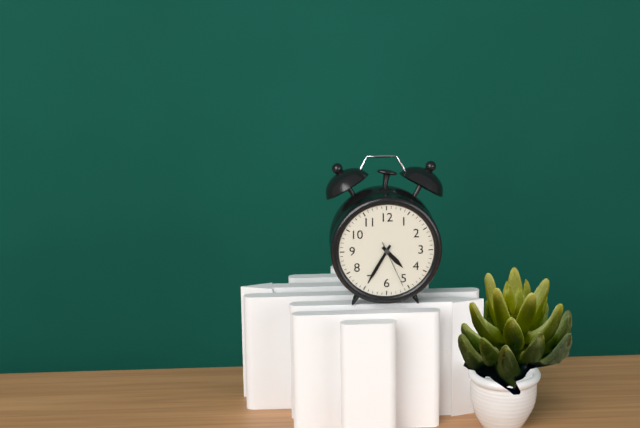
{"hour": 4, "minute": 35}
